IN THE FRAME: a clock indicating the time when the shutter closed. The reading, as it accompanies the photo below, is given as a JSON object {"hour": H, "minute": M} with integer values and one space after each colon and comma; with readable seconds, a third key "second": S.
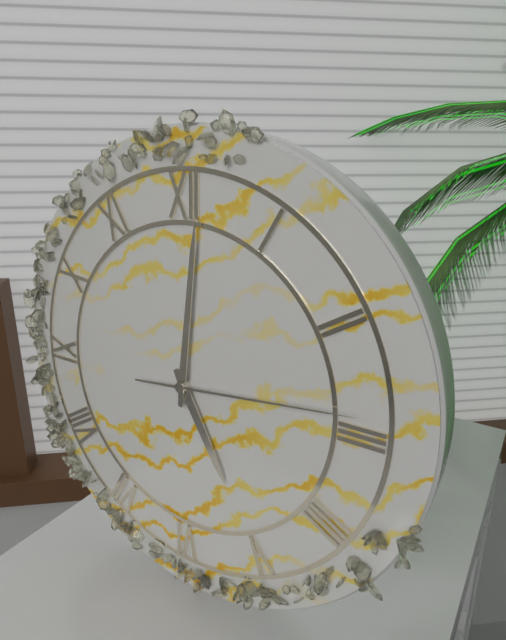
{"hour": 5, "minute": 1, "second": 14}
